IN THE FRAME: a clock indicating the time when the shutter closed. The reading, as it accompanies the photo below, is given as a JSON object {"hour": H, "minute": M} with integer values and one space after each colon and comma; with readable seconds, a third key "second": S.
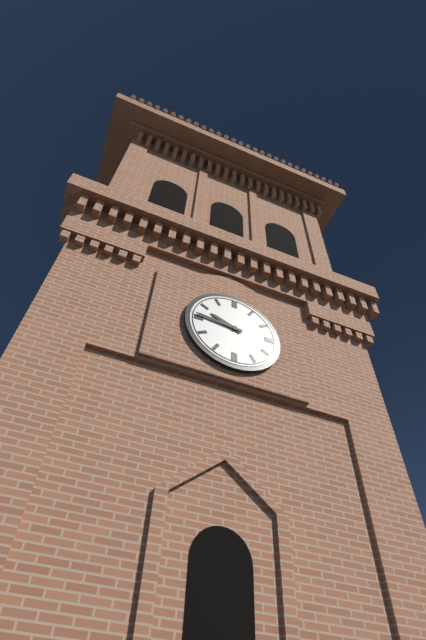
{"hour": 9, "minute": 46}
